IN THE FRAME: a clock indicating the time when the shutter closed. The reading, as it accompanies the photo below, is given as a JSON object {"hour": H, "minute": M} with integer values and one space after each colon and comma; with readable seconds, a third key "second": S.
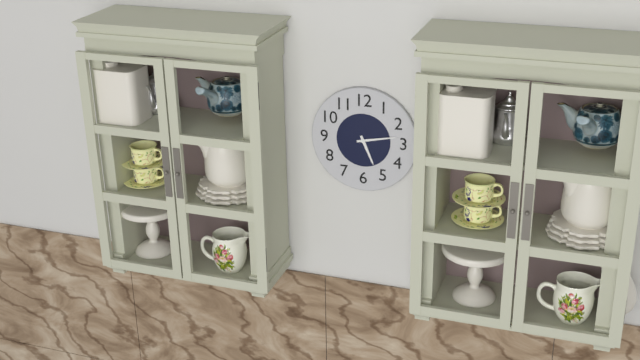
{"hour": 5, "minute": 13}
